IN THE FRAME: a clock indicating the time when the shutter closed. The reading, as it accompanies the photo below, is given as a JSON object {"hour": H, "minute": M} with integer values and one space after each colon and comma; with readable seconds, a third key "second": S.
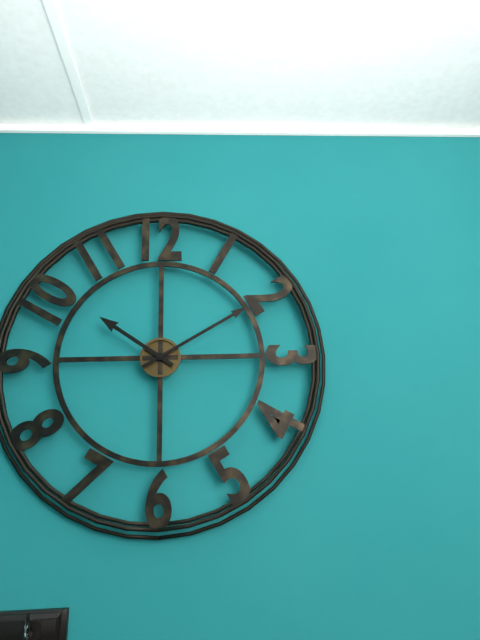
{"hour": 10, "minute": 10}
